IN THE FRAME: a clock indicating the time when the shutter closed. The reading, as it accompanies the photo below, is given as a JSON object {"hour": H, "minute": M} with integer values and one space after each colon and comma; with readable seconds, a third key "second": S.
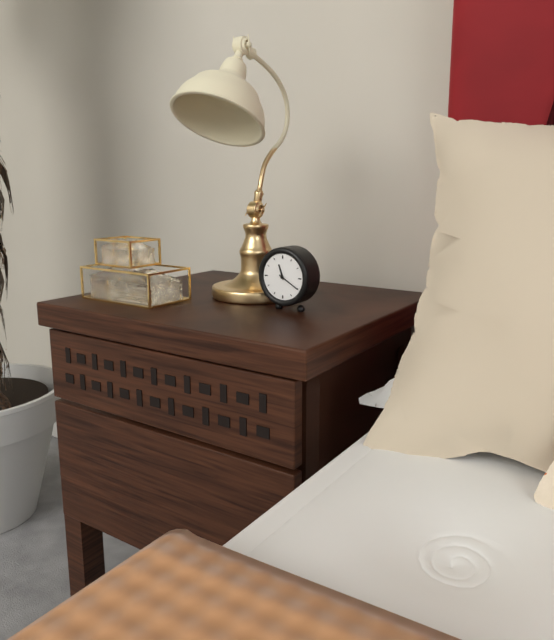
{"hour": 11, "minute": 20}
